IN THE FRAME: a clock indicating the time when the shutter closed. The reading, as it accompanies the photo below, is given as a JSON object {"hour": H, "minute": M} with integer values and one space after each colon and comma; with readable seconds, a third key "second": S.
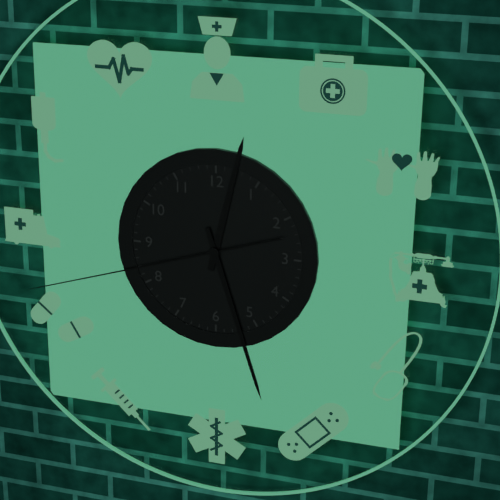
{"hour": 12, "minute": 27, "second": 42}
